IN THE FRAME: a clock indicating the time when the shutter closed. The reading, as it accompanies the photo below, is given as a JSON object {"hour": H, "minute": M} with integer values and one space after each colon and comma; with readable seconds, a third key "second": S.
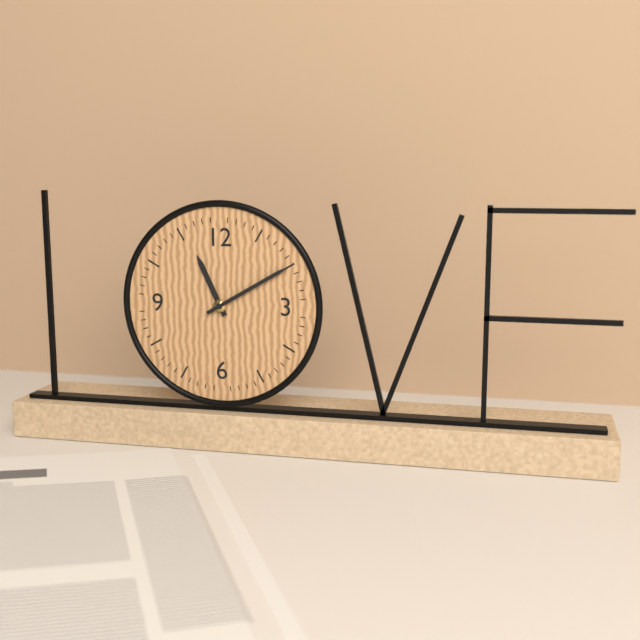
{"hour": 11, "minute": 10}
